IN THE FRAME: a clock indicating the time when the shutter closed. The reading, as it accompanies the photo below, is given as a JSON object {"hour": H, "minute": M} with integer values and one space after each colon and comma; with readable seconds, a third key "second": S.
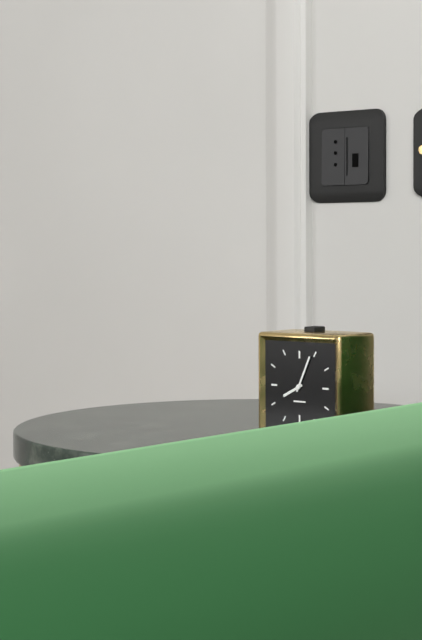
{"hour": 8, "minute": 4}
